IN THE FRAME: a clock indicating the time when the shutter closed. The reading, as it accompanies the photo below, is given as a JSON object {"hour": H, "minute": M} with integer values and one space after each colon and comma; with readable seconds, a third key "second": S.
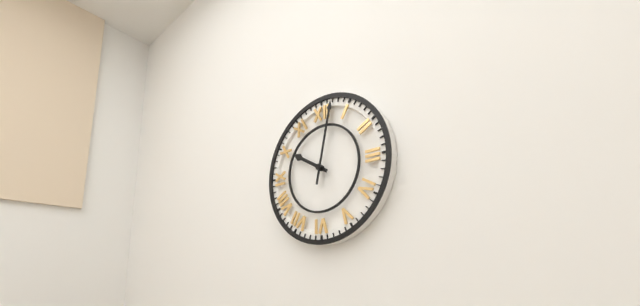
{"hour": 10, "minute": 2}
